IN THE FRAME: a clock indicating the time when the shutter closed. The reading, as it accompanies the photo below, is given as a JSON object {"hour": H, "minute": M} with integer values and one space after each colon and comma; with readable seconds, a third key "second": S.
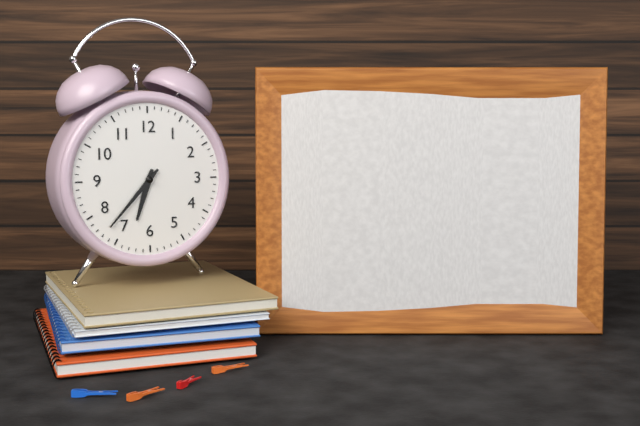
{"hour": 6, "minute": 37}
